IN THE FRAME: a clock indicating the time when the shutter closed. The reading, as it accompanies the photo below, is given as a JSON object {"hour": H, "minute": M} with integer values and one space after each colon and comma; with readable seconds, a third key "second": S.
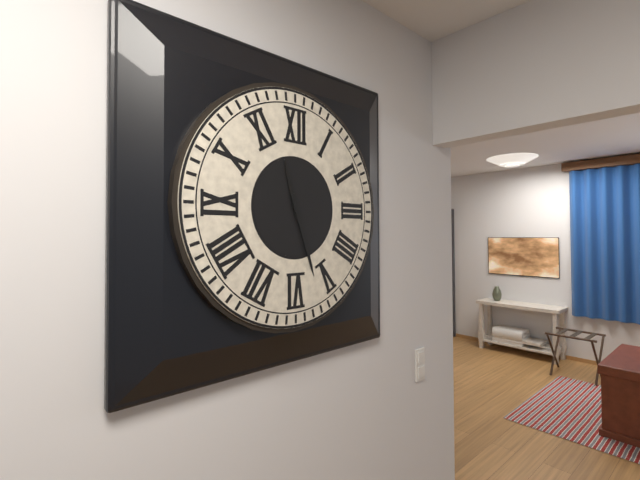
{"hour": 11, "minute": 27}
